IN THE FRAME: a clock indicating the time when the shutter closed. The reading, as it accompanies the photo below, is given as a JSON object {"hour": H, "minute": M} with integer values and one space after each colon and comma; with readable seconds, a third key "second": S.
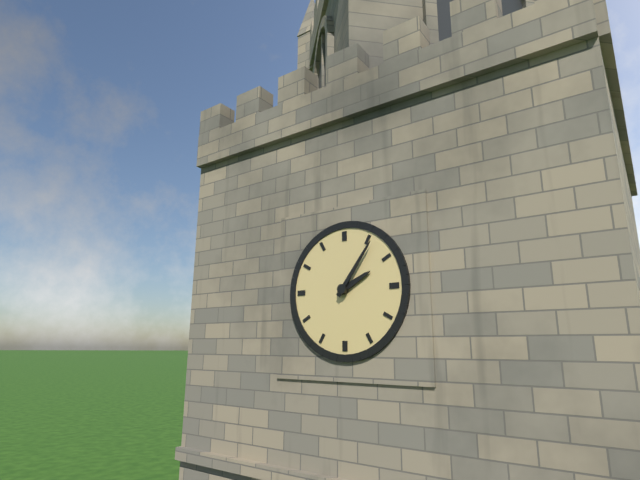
{"hour": 2, "minute": 6}
